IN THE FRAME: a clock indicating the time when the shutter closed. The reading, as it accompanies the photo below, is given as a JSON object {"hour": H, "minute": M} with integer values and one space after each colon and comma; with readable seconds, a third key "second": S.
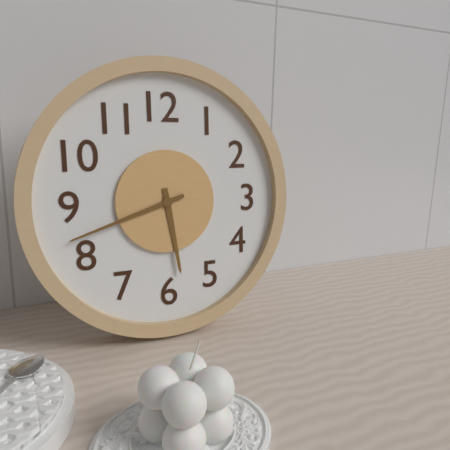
{"hour": 5, "minute": 42}
